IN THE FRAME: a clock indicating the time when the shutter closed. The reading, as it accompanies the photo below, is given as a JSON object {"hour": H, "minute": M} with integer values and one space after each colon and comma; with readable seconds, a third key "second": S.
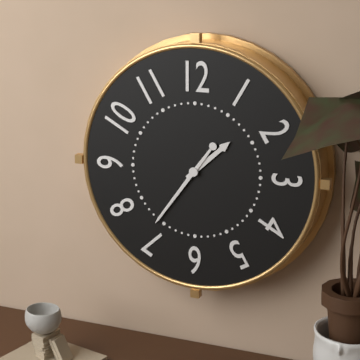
{"hour": 1, "minute": 36}
